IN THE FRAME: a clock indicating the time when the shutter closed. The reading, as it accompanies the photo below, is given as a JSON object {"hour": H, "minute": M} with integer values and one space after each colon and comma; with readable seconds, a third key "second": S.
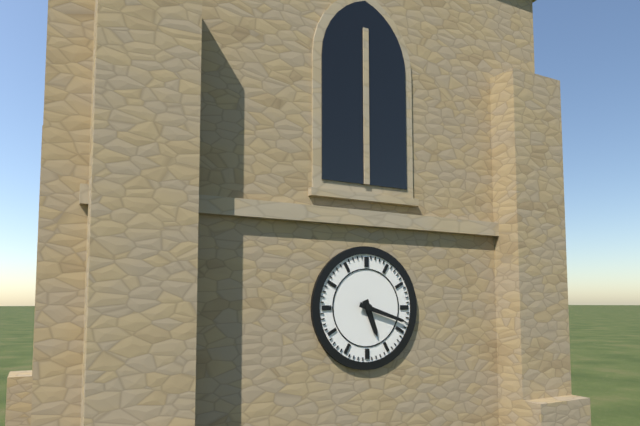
{"hour": 5, "minute": 18}
